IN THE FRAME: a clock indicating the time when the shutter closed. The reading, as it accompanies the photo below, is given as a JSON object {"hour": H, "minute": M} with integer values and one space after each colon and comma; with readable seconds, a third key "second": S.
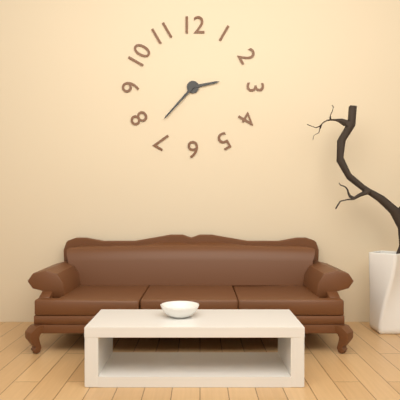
{"hour": 2, "minute": 37}
